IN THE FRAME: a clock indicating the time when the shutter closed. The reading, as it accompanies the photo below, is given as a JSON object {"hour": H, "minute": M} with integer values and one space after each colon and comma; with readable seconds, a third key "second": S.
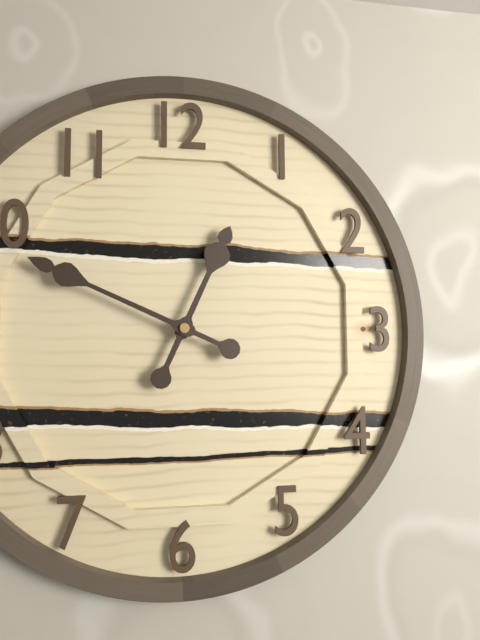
{"hour": 12, "minute": 49}
